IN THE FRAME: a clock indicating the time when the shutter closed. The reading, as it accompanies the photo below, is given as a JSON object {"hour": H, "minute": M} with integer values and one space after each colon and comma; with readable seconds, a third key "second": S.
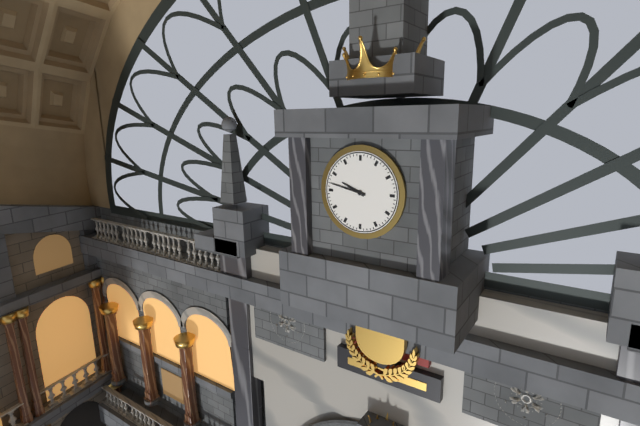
{"hour": 9, "minute": 47}
